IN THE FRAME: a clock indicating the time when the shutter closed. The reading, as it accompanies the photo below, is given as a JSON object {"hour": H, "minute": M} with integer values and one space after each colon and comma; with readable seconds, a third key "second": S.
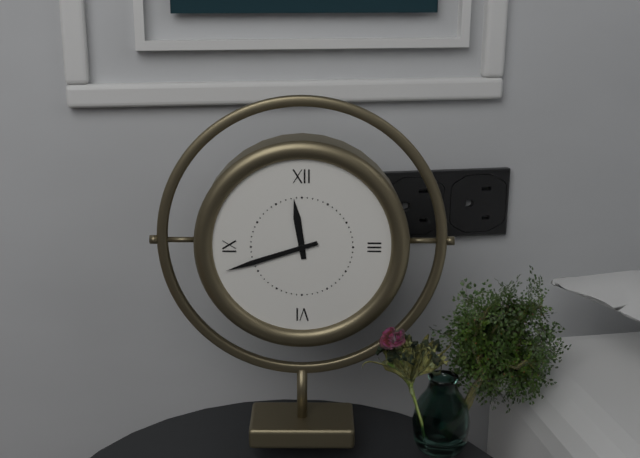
{"hour": 11, "minute": 42}
